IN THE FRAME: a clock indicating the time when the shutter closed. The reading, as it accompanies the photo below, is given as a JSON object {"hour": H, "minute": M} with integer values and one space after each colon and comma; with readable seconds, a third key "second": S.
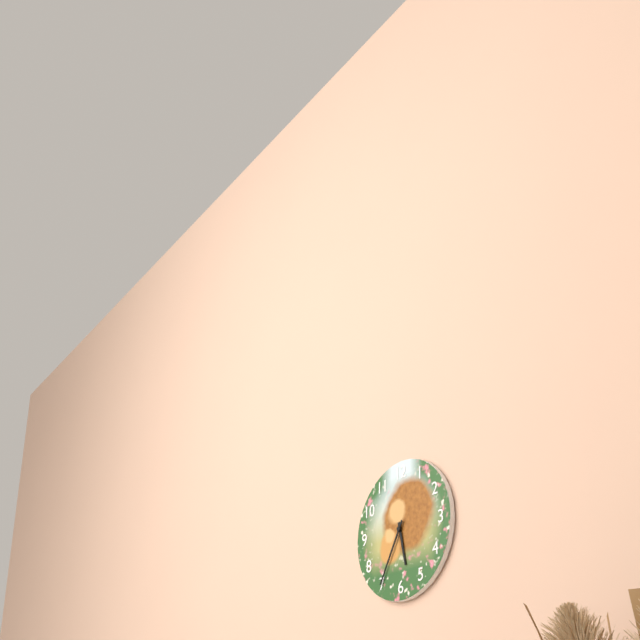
{"hour": 5, "minute": 35}
